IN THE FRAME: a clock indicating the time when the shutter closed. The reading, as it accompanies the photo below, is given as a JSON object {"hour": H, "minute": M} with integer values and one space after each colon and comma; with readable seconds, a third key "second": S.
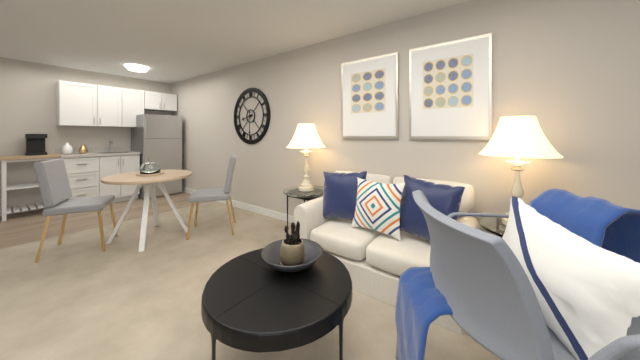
{"hour": 8, "minute": 30}
